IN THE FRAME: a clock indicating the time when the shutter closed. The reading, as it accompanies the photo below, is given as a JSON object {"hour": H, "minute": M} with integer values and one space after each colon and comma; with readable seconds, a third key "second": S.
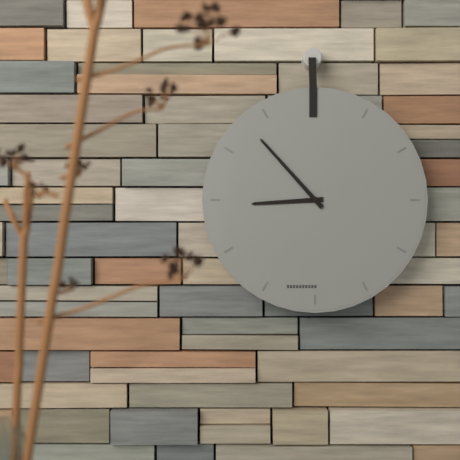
{"hour": 8, "minute": 53}
